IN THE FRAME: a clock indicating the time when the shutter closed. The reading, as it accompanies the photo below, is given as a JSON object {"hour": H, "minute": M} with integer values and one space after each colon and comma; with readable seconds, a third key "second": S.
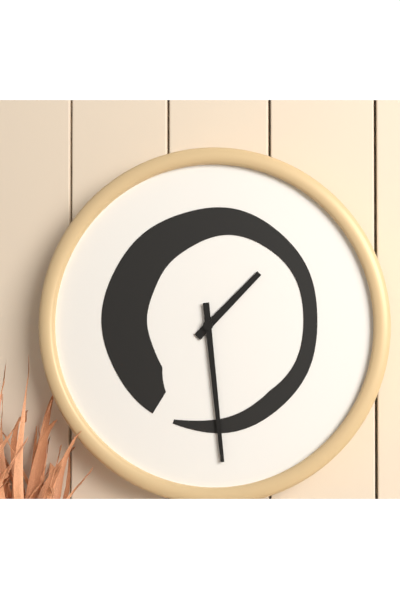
{"hour": 1, "minute": 29}
